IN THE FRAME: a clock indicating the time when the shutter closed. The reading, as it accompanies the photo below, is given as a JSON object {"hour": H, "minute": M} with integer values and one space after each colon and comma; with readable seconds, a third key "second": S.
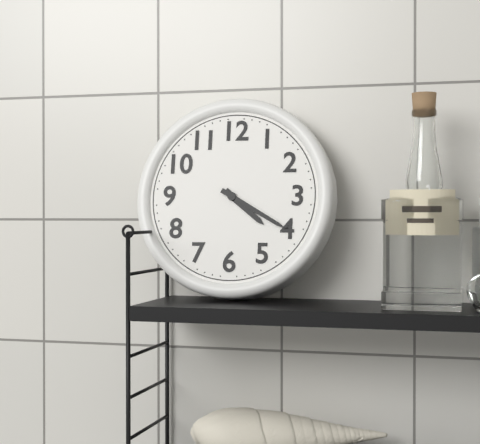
{"hour": 4, "minute": 20}
